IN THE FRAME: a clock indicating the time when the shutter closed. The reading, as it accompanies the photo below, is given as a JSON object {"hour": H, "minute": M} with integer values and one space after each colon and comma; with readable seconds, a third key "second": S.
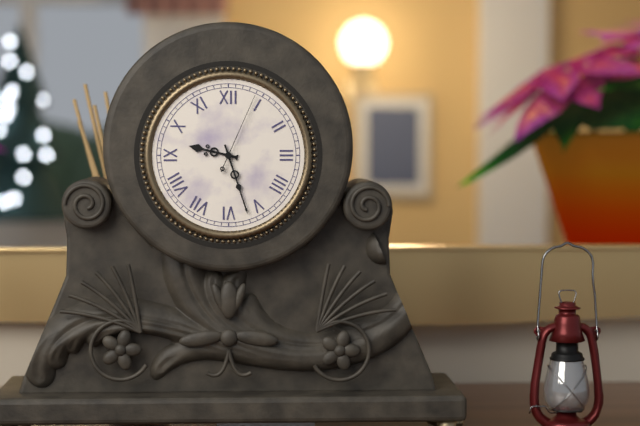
{"hour": 9, "minute": 27, "second": 4}
